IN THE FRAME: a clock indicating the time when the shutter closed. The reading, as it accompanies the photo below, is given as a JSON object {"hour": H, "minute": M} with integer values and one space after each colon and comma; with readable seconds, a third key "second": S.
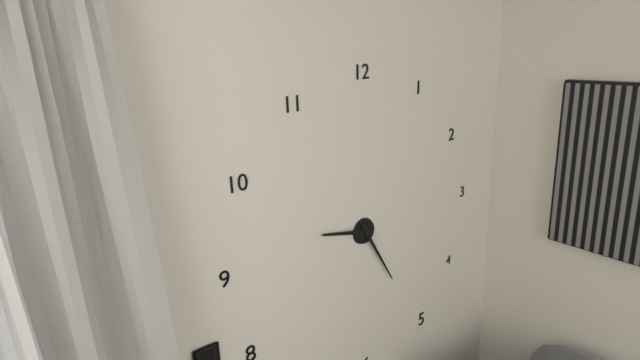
{"hour": 9, "minute": 25}
